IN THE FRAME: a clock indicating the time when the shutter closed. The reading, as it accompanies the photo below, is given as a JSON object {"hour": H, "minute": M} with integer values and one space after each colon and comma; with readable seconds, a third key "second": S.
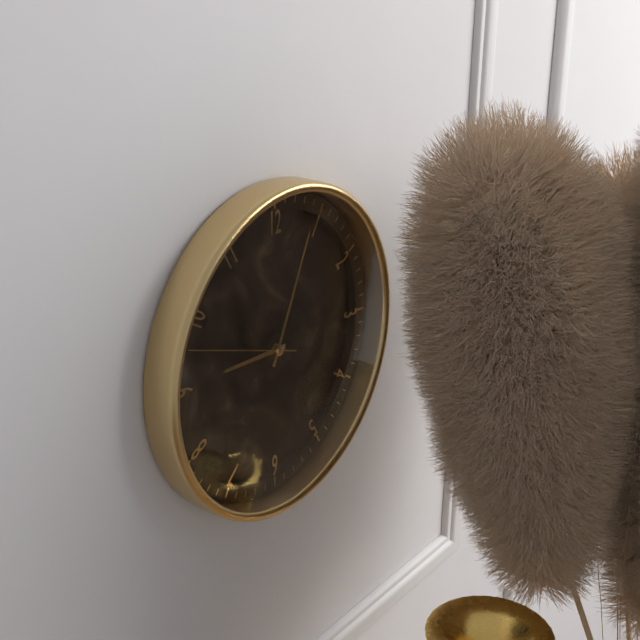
{"hour": 9, "minute": 4, "second": 48}
